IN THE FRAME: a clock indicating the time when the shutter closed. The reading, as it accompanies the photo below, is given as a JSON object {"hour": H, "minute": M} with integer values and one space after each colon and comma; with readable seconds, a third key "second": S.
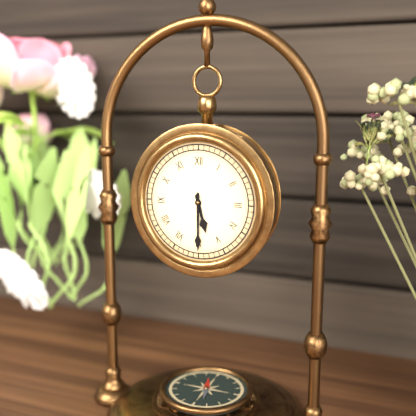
{"hour": 5, "minute": 30}
